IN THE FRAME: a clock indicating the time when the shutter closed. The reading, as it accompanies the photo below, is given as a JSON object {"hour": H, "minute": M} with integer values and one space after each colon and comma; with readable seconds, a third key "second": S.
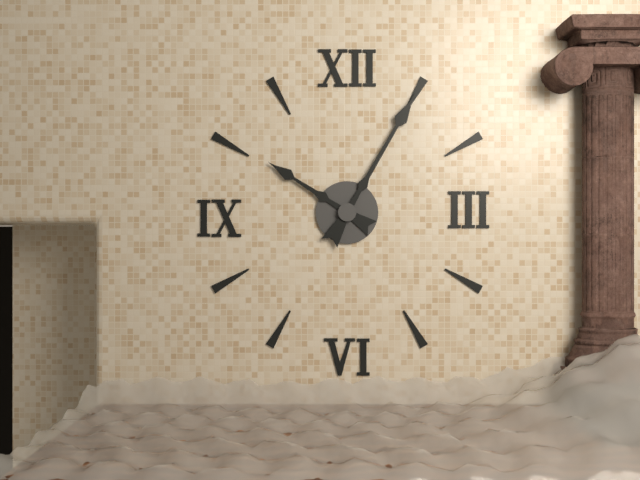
{"hour": 10, "minute": 5}
